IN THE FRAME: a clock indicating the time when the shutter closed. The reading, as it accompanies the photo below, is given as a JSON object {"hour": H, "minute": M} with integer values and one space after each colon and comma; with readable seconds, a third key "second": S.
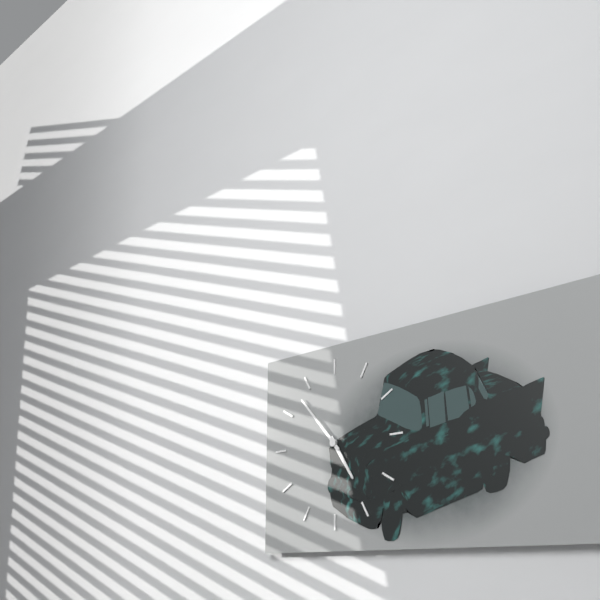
{"hour": 4, "minute": 53}
